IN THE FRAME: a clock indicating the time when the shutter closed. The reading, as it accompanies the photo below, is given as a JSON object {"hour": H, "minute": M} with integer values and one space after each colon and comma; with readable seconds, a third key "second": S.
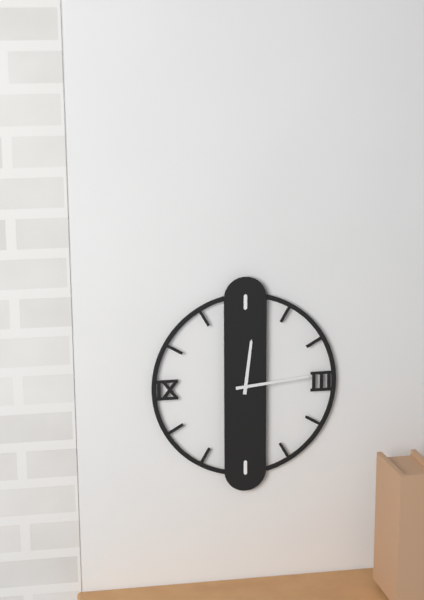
{"hour": 12, "minute": 14}
